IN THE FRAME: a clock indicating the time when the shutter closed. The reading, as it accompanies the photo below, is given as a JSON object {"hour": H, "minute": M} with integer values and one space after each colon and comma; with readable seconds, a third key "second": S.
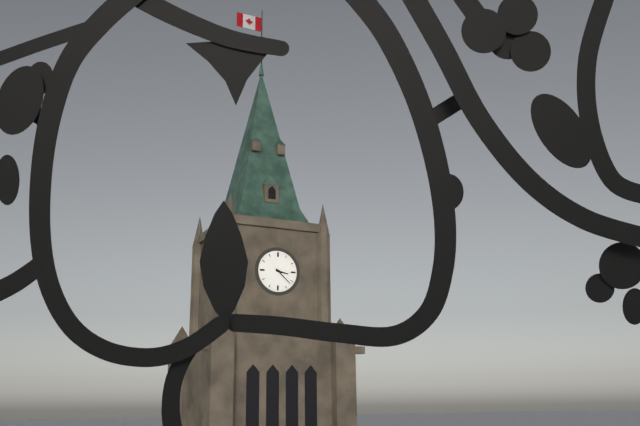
{"hour": 3, "minute": 22}
